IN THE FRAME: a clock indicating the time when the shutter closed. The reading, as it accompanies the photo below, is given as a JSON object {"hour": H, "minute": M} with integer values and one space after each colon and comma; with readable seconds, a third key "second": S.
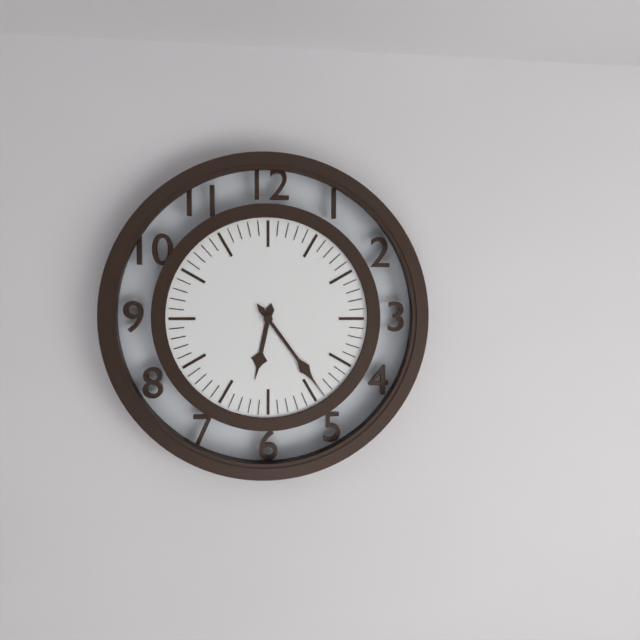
{"hour": 6, "minute": 24}
